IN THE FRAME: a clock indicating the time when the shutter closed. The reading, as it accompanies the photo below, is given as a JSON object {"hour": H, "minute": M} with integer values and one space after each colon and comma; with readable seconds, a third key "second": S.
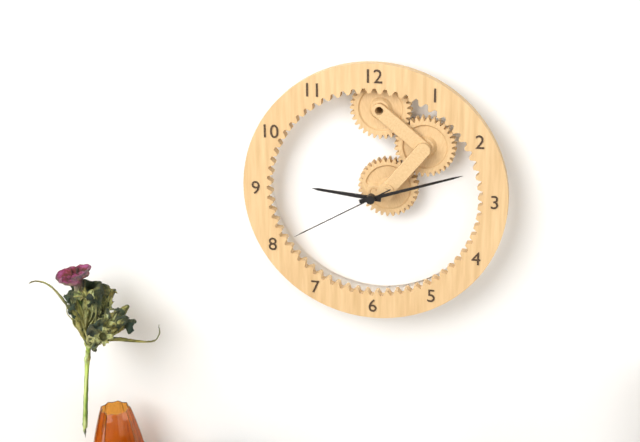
{"hour": 9, "minute": 12, "second": 40}
